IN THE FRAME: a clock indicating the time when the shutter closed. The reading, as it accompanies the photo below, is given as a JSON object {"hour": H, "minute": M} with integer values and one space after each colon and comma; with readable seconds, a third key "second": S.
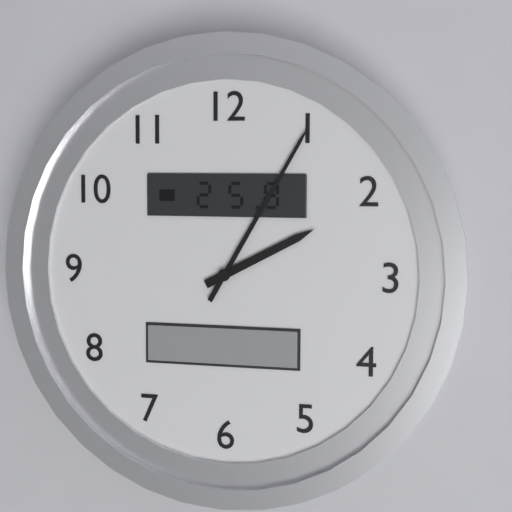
{"hour": 2, "minute": 5}
